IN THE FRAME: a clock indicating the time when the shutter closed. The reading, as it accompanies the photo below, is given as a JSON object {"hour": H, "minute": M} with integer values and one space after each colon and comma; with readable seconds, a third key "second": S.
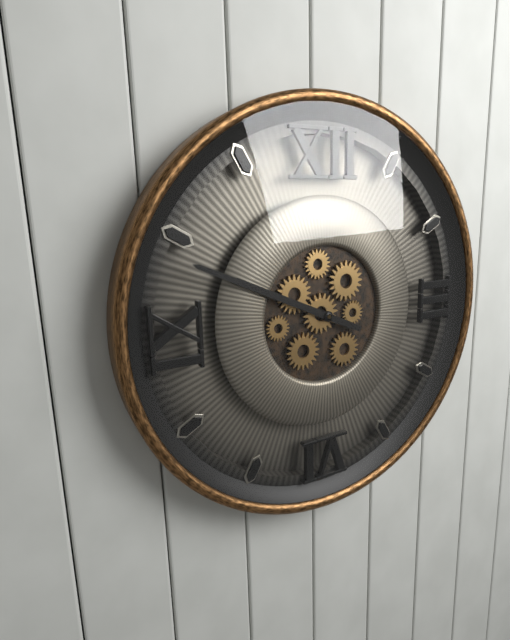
{"hour": 9, "minute": 49}
